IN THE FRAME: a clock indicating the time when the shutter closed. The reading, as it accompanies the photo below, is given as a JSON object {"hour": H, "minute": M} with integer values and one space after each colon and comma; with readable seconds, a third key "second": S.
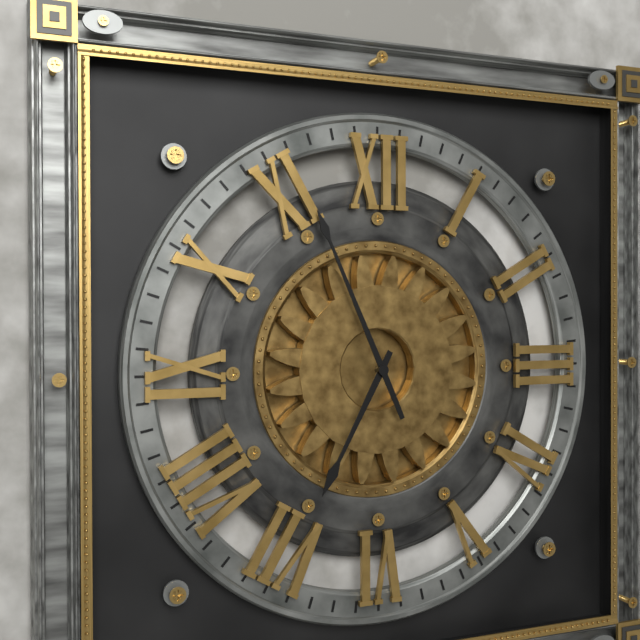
{"hour": 6, "minute": 56}
